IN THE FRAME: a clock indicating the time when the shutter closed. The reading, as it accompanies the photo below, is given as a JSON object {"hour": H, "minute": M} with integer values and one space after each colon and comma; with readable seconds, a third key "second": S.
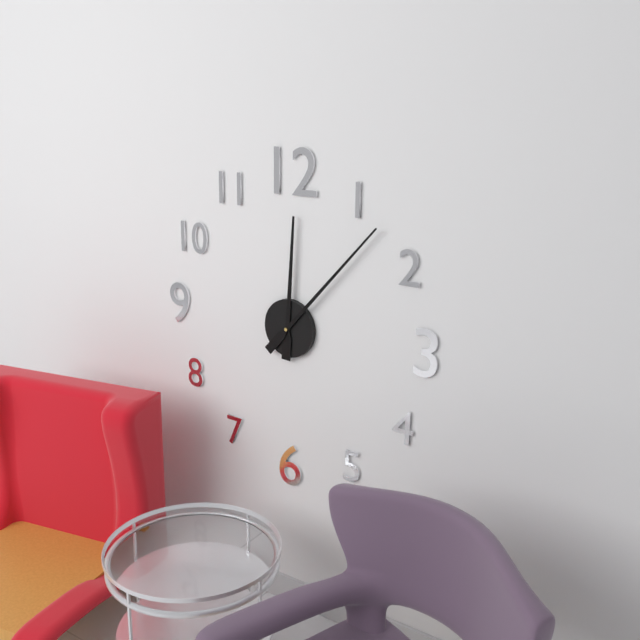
{"hour": 12, "minute": 7}
